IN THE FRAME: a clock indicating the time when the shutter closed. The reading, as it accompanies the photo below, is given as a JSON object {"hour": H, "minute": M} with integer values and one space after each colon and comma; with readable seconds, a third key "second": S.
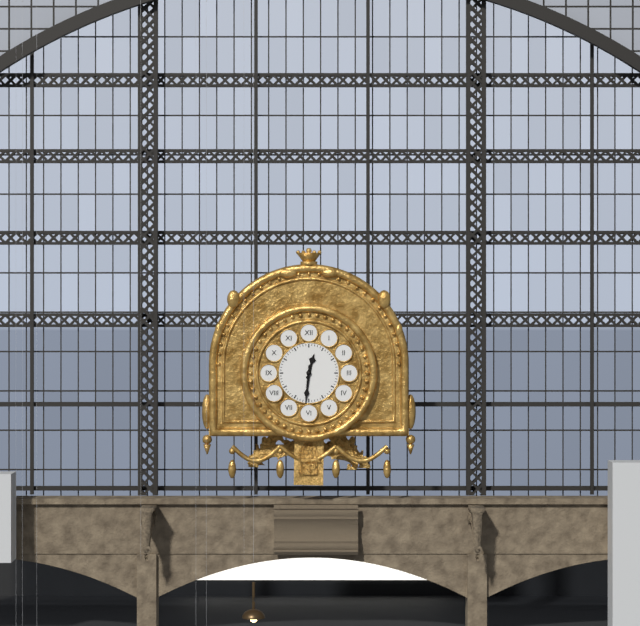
{"hour": 12, "minute": 31}
